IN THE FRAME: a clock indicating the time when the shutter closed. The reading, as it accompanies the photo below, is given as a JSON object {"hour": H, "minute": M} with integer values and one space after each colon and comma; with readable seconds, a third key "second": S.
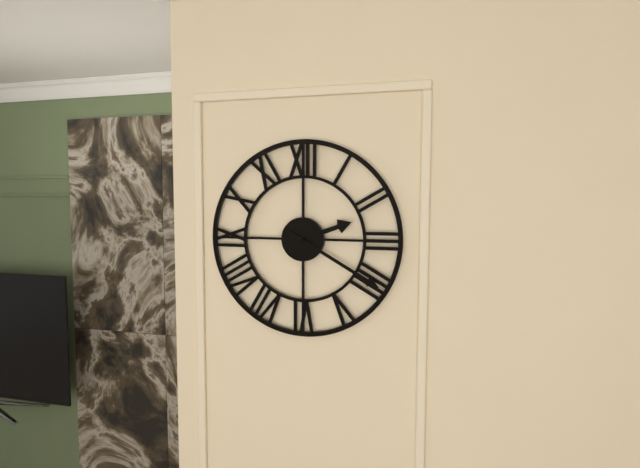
{"hour": 2, "minute": 20}
